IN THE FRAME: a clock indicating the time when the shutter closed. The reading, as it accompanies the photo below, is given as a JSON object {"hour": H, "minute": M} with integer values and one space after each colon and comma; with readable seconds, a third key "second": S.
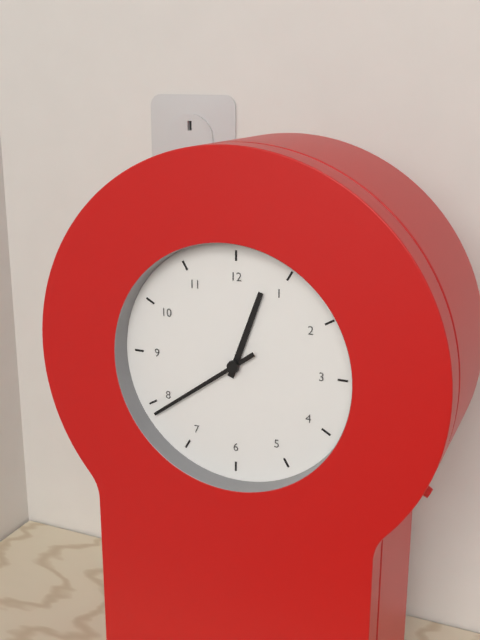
{"hour": 12, "minute": 39}
